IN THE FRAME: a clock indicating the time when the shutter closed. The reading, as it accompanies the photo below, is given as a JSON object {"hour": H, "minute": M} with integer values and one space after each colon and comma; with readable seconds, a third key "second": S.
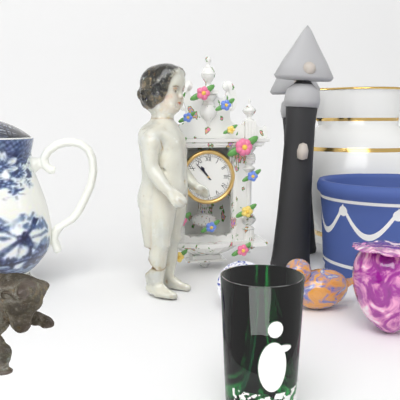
{"hour": 10, "minute": 53}
